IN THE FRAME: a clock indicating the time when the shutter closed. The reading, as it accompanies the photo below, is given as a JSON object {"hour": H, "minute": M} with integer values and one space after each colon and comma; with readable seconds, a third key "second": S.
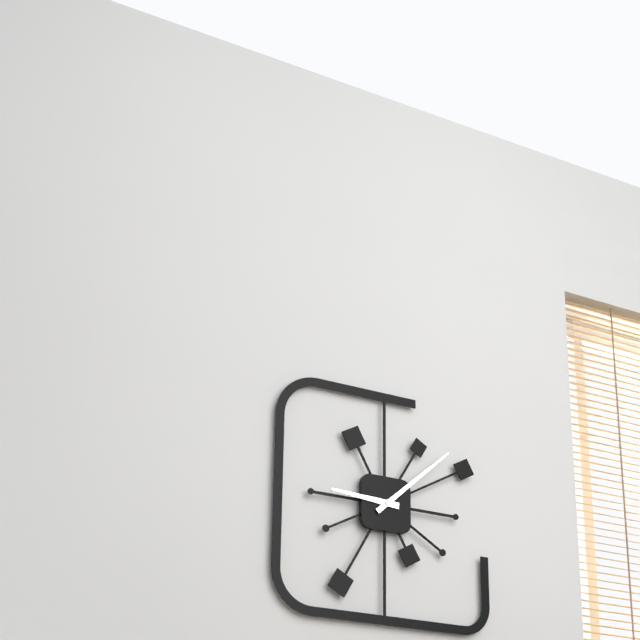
{"hour": 9, "minute": 8}
